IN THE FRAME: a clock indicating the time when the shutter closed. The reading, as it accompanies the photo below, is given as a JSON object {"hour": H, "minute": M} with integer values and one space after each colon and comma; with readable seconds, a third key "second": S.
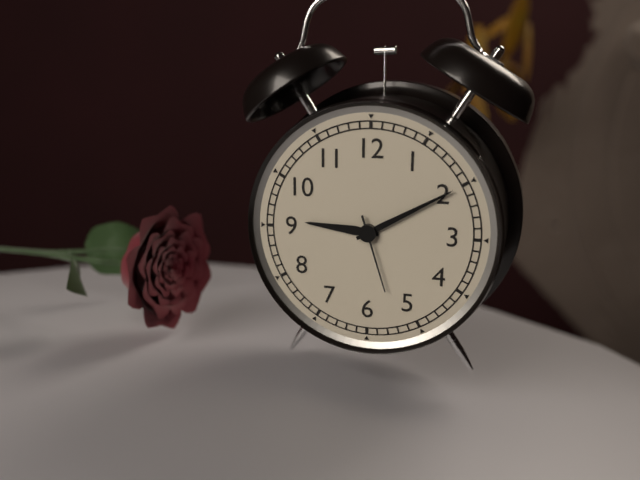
{"hour": 9, "minute": 10, "second": 27}
